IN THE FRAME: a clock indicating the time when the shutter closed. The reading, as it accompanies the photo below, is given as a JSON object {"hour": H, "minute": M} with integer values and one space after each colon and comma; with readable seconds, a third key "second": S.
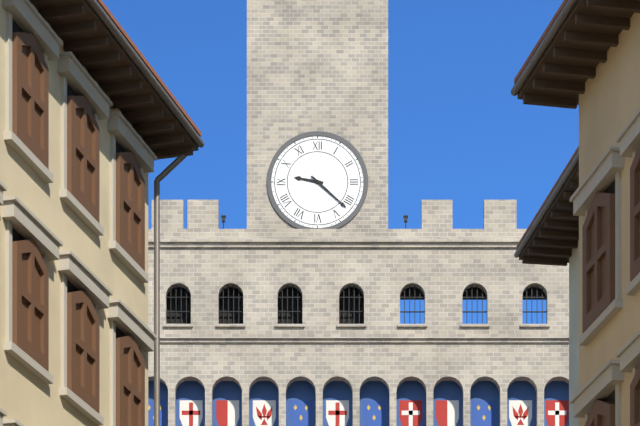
{"hour": 9, "minute": 22}
